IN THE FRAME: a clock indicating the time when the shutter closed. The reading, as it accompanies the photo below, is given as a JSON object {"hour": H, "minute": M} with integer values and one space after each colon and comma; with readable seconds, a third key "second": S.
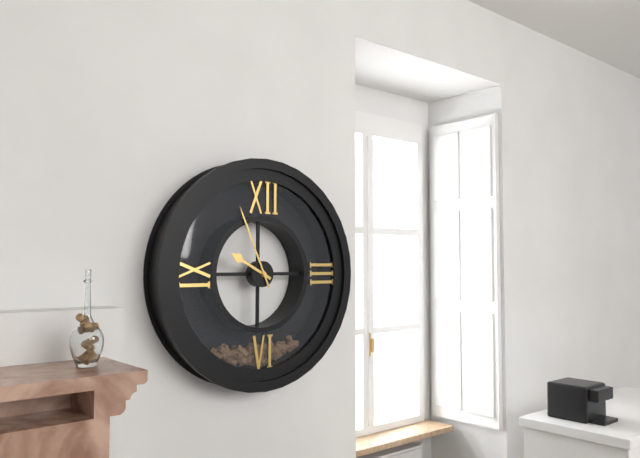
{"hour": 9, "minute": 56}
